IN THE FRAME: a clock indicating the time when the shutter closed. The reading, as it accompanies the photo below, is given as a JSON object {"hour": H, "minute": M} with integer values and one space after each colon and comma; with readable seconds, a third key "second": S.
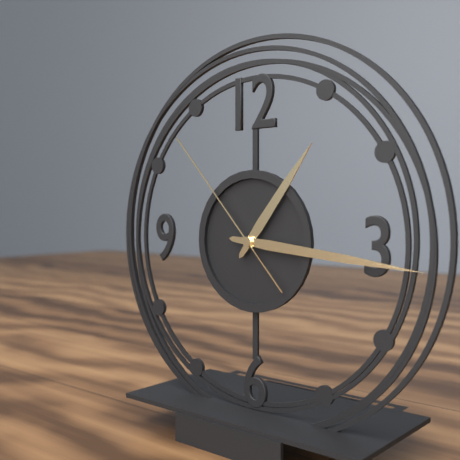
{"hour": 1, "minute": 16, "second": 53}
